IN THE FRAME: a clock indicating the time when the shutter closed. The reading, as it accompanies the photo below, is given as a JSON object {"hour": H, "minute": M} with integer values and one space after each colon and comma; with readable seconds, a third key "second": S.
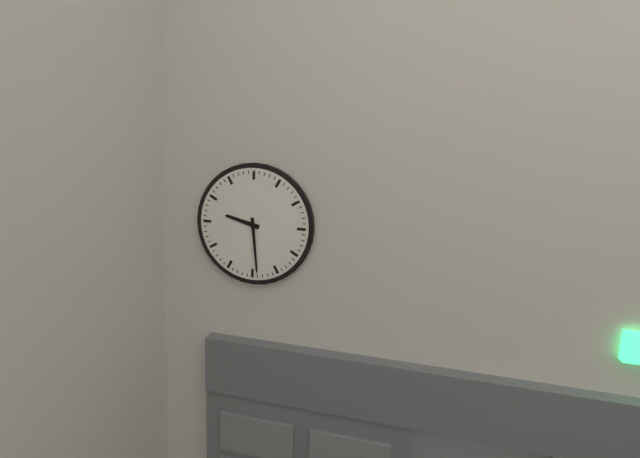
{"hour": 9, "minute": 29}
